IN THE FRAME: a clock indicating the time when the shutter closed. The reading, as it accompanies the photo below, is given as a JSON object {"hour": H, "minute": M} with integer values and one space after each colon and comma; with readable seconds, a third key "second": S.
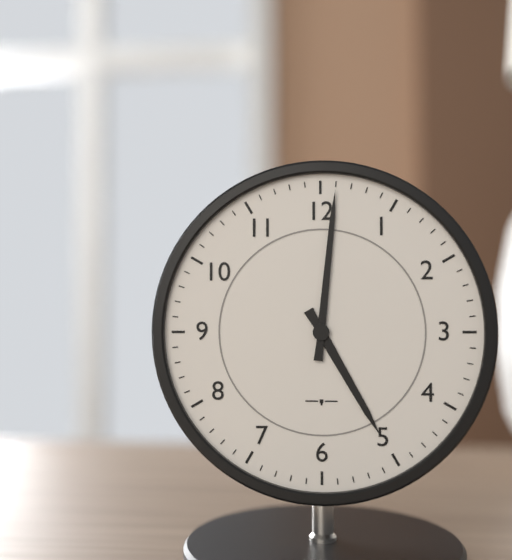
{"hour": 5, "minute": 1}
